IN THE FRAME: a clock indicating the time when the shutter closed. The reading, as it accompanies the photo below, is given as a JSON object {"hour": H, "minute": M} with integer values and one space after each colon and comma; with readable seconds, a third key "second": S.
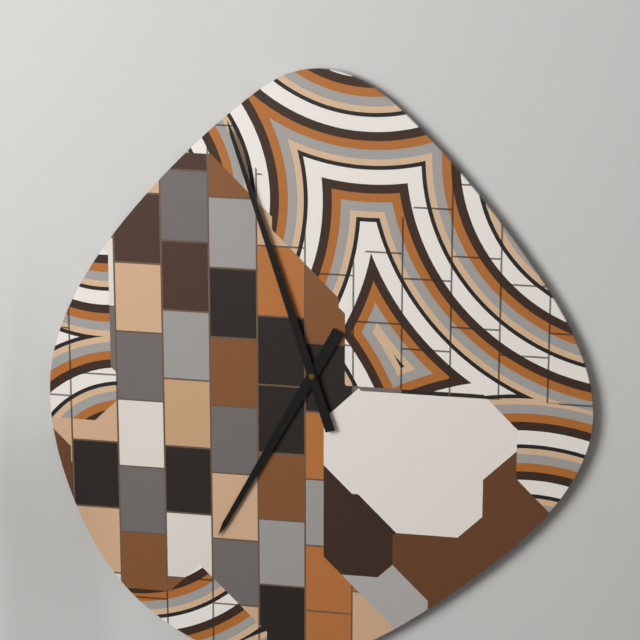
{"hour": 6, "minute": 57}
